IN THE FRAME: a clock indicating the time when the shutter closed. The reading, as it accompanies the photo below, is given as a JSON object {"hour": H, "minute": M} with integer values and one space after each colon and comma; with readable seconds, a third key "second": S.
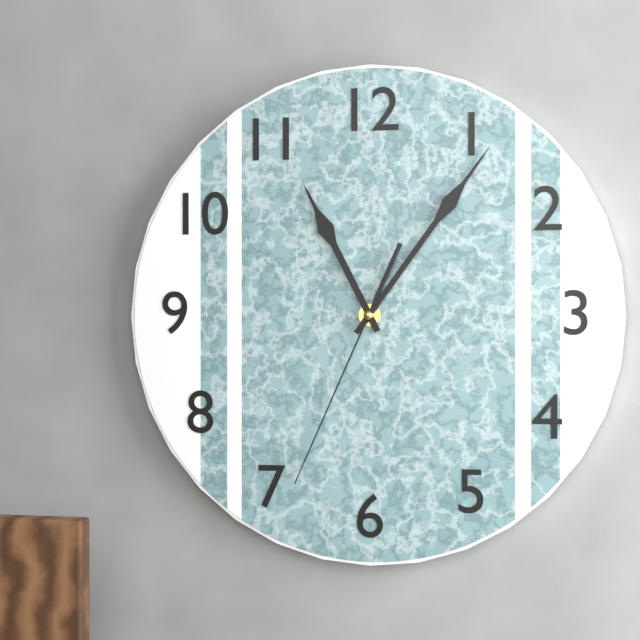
{"hour": 11, "minute": 6, "second": 34}
